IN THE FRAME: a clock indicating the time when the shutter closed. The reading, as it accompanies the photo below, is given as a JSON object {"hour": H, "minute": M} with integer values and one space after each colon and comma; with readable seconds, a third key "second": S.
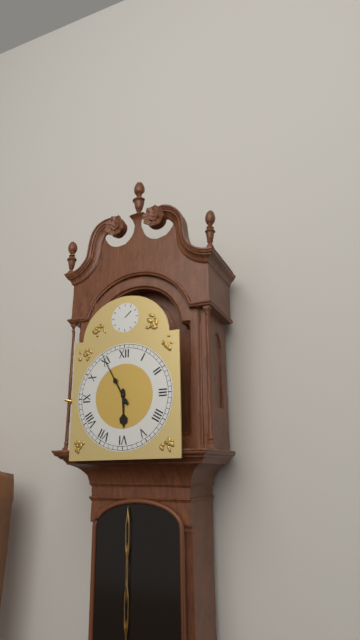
{"hour": 5, "minute": 55}
